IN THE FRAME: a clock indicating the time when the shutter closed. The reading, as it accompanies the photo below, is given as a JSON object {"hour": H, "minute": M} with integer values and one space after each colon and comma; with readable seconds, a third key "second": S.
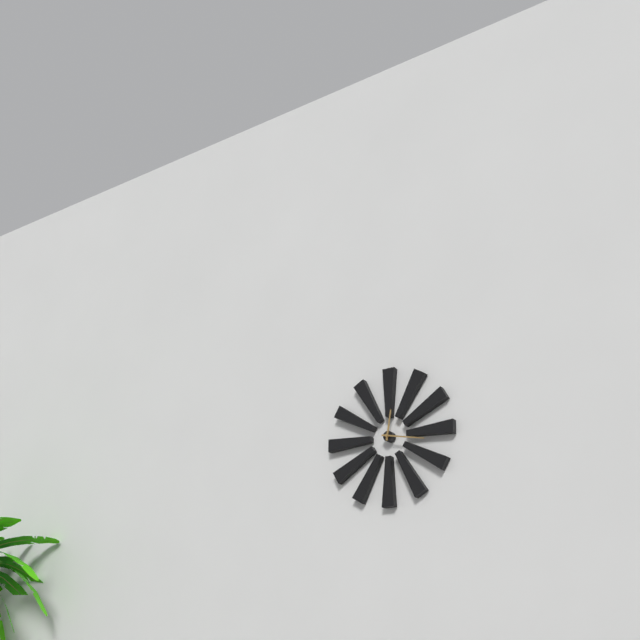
{"hour": 12, "minute": 17}
